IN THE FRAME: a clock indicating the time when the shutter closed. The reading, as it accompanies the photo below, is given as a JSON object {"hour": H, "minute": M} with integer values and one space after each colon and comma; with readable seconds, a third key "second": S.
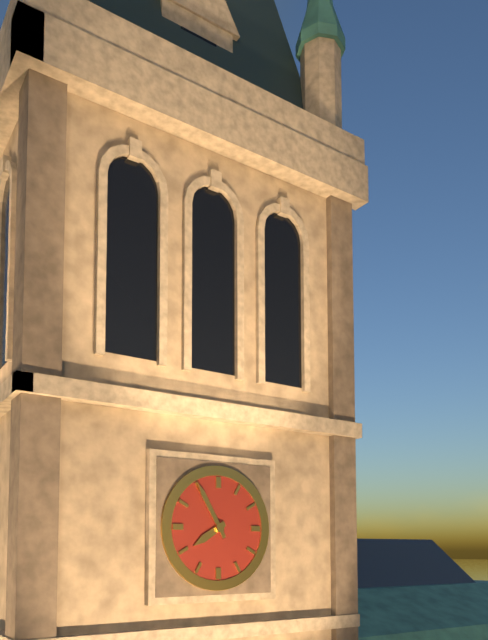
{"hour": 7, "minute": 55}
